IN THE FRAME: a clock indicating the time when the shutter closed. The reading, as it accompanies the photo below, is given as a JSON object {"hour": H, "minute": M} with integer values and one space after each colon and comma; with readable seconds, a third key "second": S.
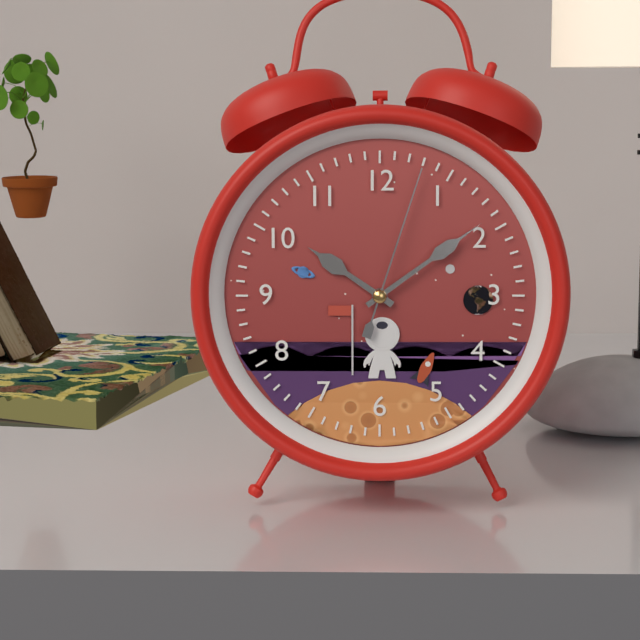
{"hour": 10, "minute": 9, "second": 3}
